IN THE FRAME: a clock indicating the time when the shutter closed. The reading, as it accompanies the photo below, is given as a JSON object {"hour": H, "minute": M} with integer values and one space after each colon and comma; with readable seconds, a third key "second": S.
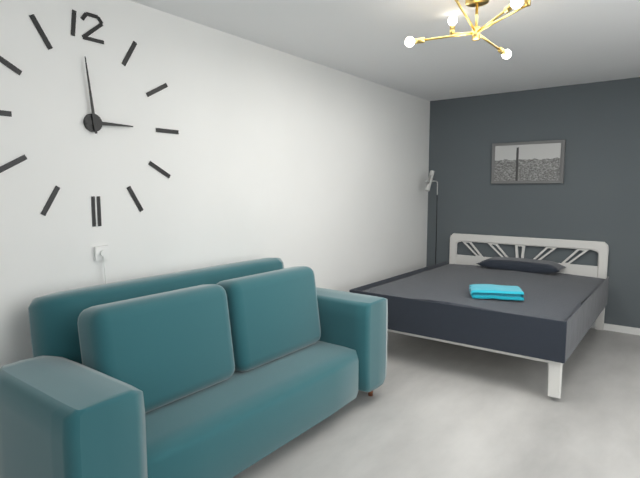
{"hour": 2, "minute": 59}
